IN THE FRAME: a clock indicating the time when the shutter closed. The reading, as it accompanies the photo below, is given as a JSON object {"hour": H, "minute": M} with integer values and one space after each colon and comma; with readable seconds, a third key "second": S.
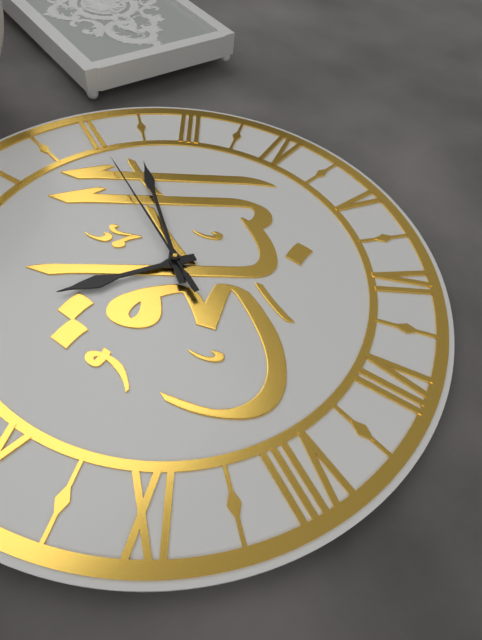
{"hour": 11, "minute": 12, "second": 10}
